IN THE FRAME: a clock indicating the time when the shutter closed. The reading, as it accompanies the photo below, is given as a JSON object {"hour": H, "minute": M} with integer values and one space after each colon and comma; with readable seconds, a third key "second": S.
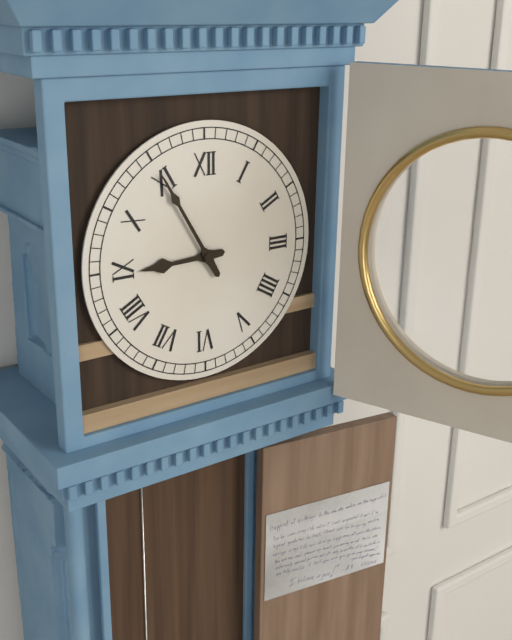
{"hour": 8, "minute": 55}
